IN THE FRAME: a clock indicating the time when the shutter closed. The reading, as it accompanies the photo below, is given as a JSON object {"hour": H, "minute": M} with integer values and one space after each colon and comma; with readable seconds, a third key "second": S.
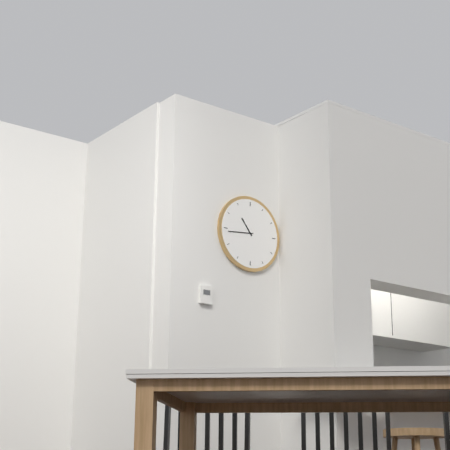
{"hour": 10, "minute": 44}
